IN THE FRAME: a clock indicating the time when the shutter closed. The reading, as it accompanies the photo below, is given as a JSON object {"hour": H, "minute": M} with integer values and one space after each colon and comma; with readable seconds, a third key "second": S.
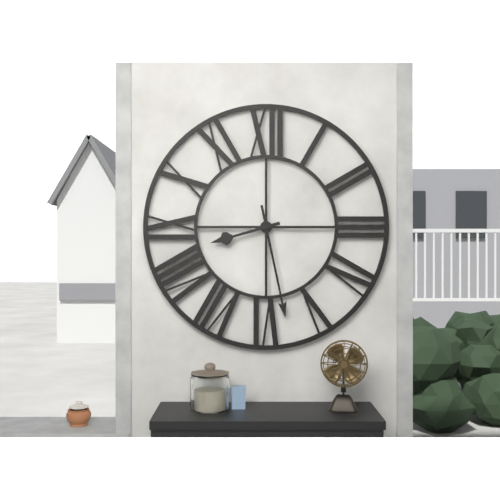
{"hour": 8, "minute": 28}
